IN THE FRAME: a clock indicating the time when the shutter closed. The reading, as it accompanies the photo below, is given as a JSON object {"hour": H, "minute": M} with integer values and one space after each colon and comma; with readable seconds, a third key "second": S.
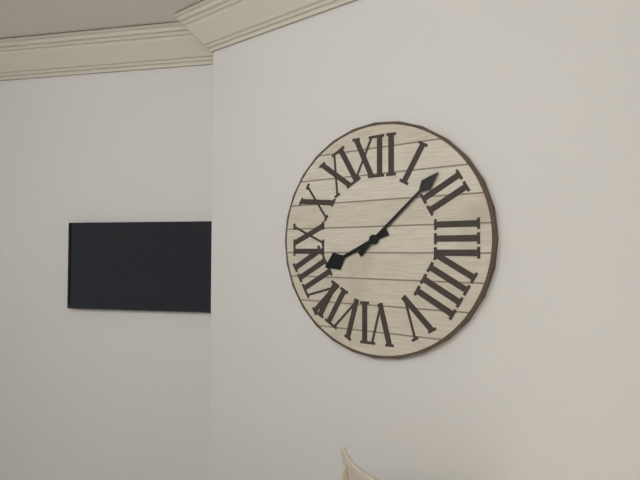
{"hour": 8, "minute": 8}
